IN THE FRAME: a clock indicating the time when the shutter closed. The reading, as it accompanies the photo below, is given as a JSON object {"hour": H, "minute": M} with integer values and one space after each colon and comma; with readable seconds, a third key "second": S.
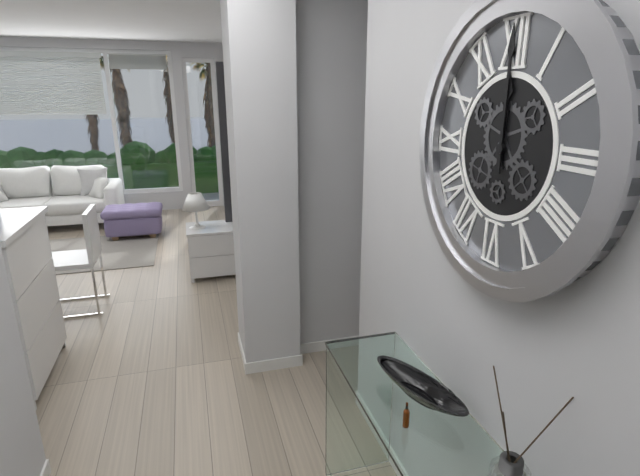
{"hour": 12, "minute": 0}
